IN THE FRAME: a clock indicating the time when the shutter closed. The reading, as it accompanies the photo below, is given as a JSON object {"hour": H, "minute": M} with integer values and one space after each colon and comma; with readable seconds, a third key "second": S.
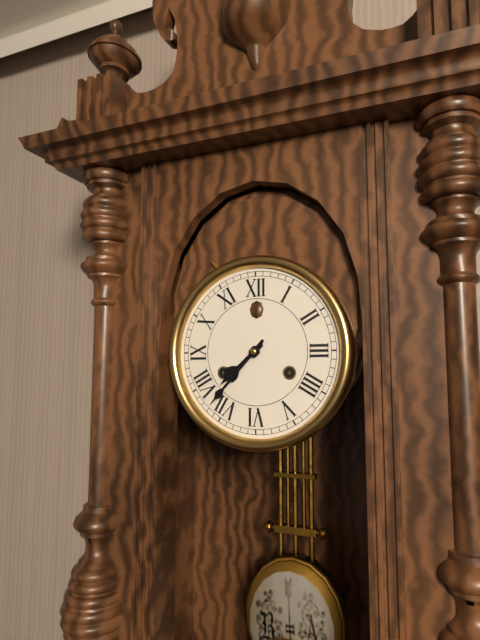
{"hour": 7, "minute": 37}
